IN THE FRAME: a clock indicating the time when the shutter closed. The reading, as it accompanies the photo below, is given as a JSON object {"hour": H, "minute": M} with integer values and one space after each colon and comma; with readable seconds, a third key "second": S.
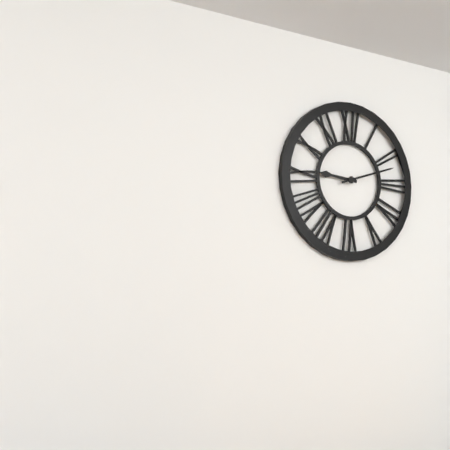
{"hour": 9, "minute": 12}
